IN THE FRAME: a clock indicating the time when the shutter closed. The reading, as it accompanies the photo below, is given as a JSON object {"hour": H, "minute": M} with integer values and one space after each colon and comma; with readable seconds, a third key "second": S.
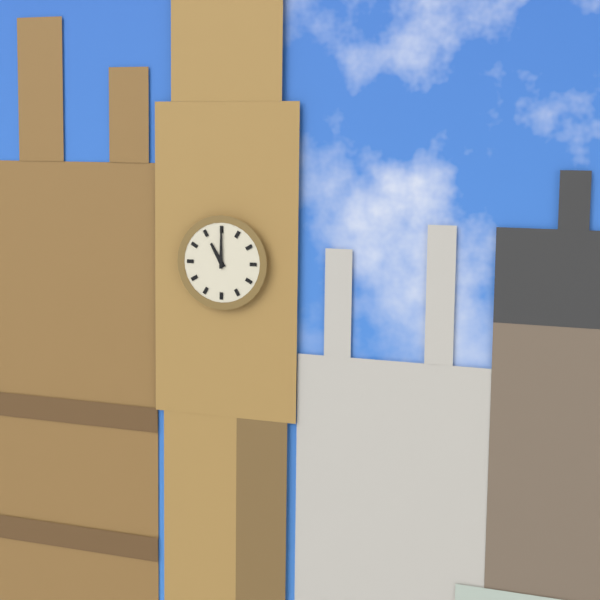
{"hour": 11, "minute": 0}
